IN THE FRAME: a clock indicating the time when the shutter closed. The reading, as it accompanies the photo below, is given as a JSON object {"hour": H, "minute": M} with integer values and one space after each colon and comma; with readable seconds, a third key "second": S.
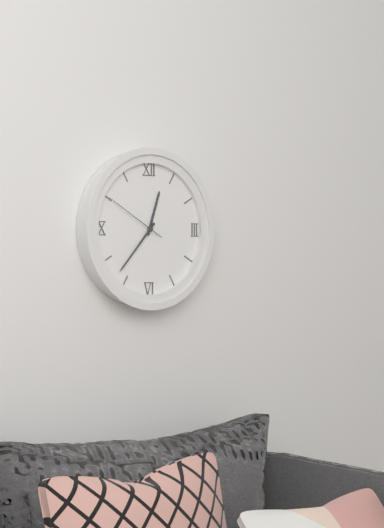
{"hour": 12, "minute": 37, "second": 50}
